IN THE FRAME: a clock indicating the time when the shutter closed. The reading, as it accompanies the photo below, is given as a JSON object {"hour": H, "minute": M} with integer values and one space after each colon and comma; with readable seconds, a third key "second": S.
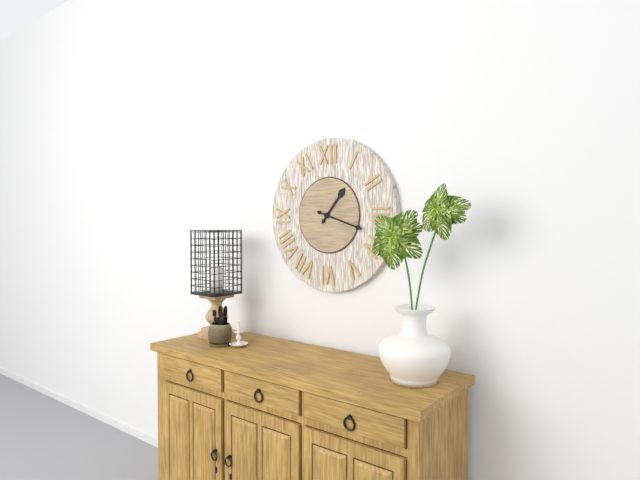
{"hour": 1, "minute": 18}
